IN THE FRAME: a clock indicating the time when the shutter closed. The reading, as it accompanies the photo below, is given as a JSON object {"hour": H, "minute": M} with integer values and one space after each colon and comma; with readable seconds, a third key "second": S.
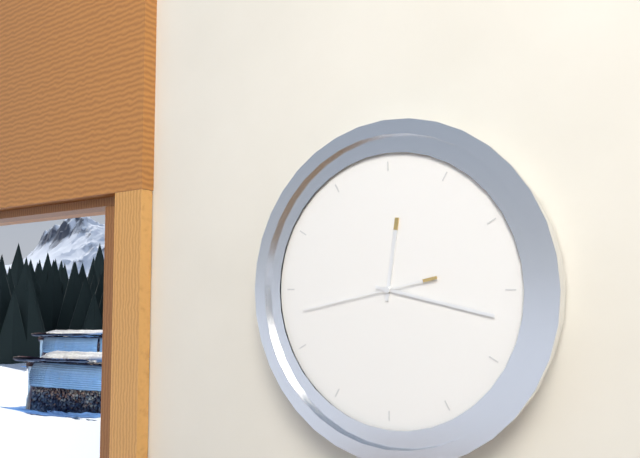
{"hour": 12, "minute": 17, "second": 43}
